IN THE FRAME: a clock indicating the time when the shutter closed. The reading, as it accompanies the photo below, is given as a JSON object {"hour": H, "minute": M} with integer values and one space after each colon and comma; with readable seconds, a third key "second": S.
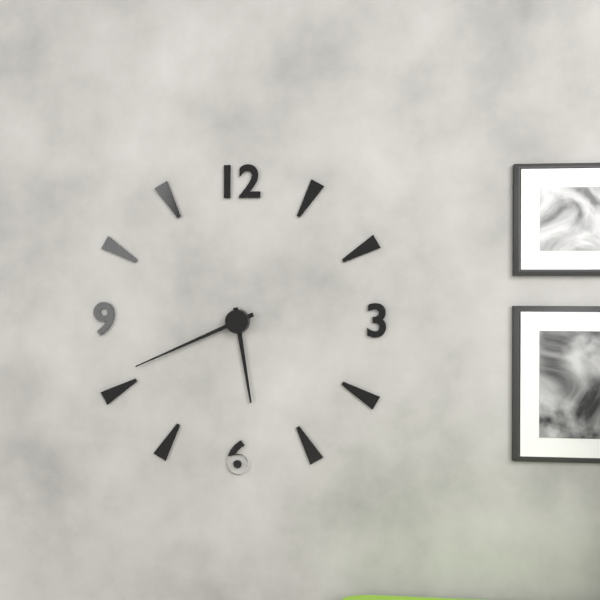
{"hour": 5, "minute": 41}
